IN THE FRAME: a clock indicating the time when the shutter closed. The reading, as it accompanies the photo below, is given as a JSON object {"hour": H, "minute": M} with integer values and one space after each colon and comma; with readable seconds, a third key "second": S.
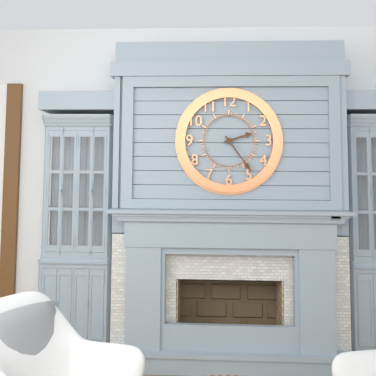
{"hour": 2, "minute": 24}
